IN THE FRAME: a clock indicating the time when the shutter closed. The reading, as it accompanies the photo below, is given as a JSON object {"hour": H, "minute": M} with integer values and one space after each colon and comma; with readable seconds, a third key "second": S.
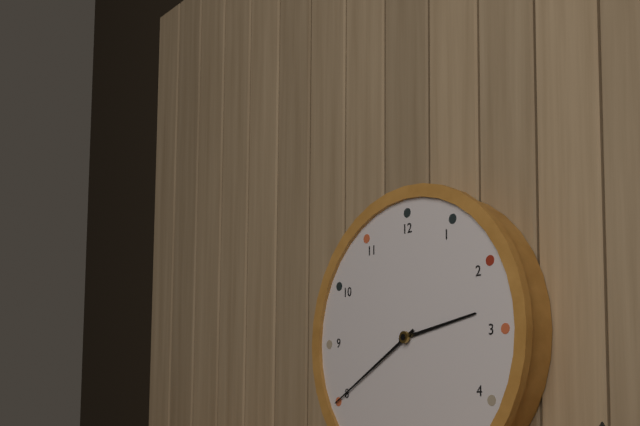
{"hour": 2, "minute": 40}
